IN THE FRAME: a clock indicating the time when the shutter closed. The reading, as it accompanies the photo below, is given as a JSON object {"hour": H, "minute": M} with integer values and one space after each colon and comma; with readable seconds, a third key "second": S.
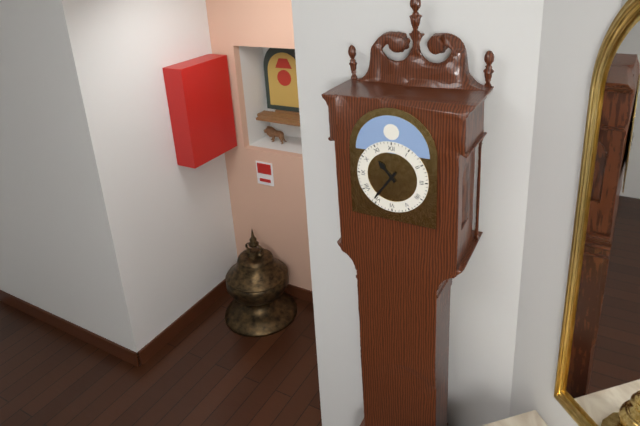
{"hour": 10, "minute": 36}
